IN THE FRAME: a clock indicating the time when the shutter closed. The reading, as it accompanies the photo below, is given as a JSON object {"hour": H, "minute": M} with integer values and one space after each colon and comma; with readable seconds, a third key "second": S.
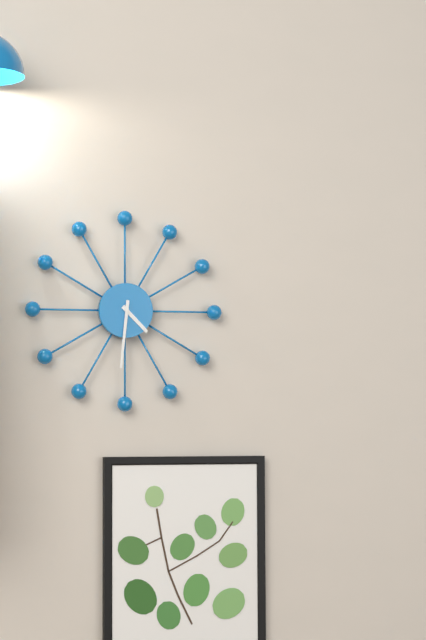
{"hour": 4, "minute": 31}
